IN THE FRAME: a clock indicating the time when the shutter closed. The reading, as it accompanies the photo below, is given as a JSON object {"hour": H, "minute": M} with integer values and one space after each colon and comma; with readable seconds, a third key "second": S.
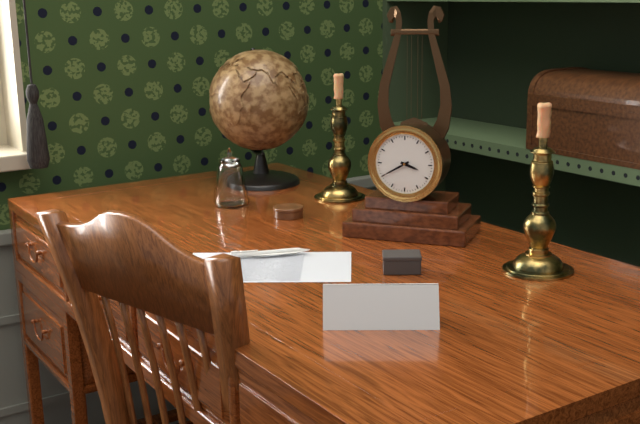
{"hour": 3, "minute": 40}
